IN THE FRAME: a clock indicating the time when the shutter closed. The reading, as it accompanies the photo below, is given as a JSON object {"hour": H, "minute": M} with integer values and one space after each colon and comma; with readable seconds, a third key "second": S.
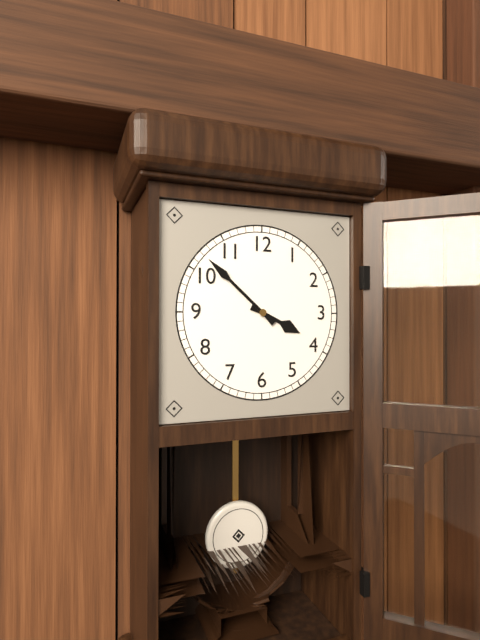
{"hour": 3, "minute": 52}
